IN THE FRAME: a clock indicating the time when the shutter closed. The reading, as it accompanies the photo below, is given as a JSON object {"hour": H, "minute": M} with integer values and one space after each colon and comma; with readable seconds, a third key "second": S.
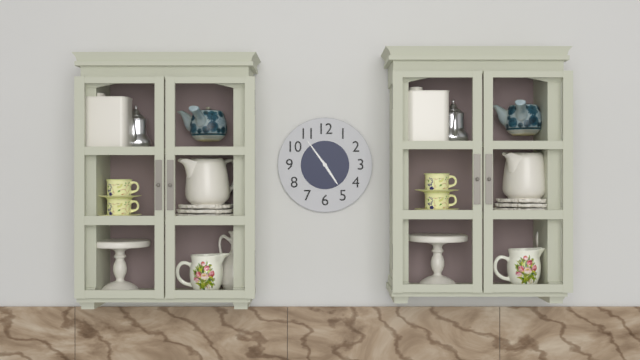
{"hour": 4, "minute": 54}
